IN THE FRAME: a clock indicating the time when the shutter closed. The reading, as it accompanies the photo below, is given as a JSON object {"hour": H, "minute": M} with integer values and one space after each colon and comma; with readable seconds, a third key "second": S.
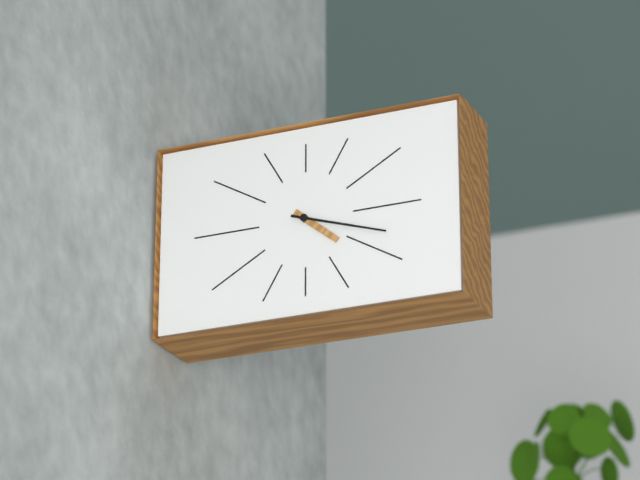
{"hour": 4, "minute": 18}
